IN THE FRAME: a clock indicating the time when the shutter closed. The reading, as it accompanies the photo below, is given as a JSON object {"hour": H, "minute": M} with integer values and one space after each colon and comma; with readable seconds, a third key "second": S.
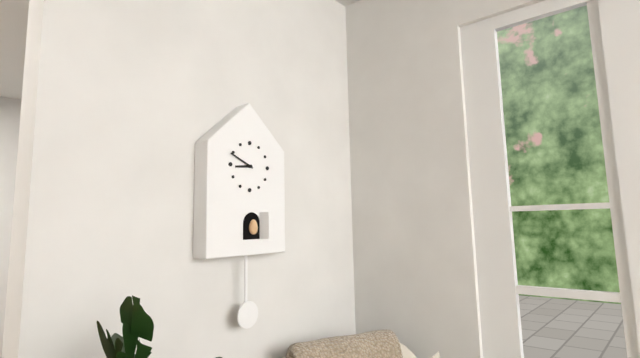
{"hour": 8, "minute": 49}
